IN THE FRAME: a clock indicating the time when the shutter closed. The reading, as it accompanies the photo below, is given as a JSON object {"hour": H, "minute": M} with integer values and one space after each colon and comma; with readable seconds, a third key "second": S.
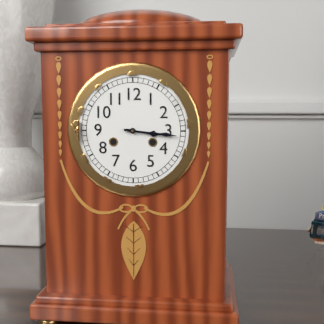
{"hour": 3, "minute": 16}
